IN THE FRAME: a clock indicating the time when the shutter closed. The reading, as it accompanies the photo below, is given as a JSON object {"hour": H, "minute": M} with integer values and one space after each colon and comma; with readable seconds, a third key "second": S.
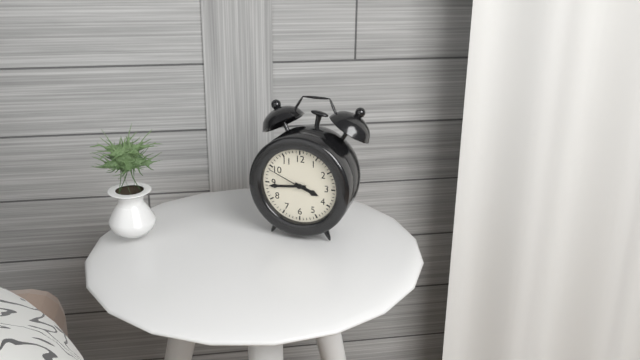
{"hour": 3, "minute": 44}
